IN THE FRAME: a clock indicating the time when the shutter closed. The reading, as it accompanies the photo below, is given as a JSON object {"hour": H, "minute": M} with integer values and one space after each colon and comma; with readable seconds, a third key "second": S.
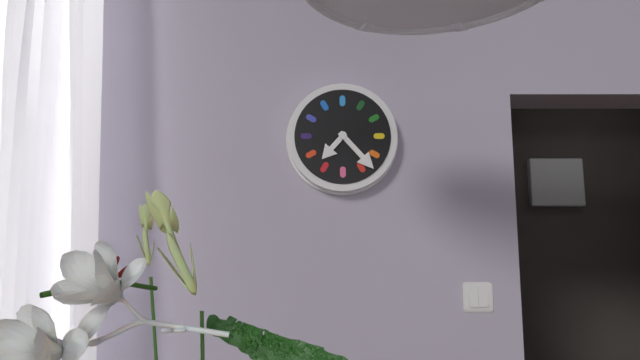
{"hour": 7, "minute": 23}
